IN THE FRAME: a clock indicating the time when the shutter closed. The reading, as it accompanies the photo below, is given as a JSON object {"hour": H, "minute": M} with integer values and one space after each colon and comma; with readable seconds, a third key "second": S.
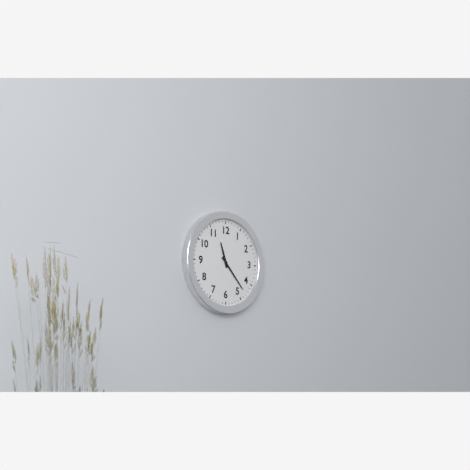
{"hour": 11, "minute": 23}
